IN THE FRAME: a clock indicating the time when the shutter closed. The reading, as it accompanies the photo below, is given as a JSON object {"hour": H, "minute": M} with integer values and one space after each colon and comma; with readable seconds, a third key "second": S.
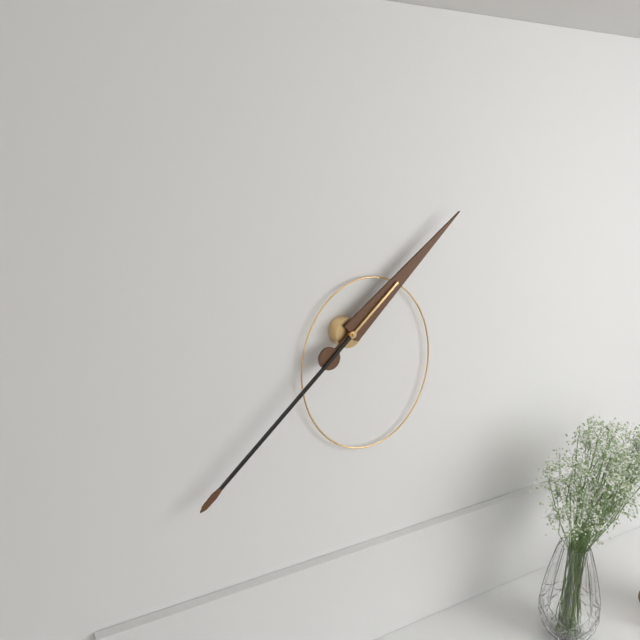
{"hour": 1, "minute": 38}
